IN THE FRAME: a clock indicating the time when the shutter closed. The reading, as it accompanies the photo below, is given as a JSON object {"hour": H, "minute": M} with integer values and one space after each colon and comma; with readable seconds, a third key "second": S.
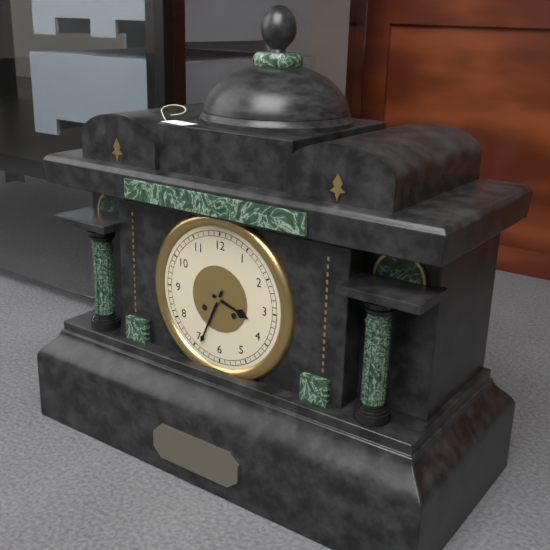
{"hour": 3, "minute": 34}
